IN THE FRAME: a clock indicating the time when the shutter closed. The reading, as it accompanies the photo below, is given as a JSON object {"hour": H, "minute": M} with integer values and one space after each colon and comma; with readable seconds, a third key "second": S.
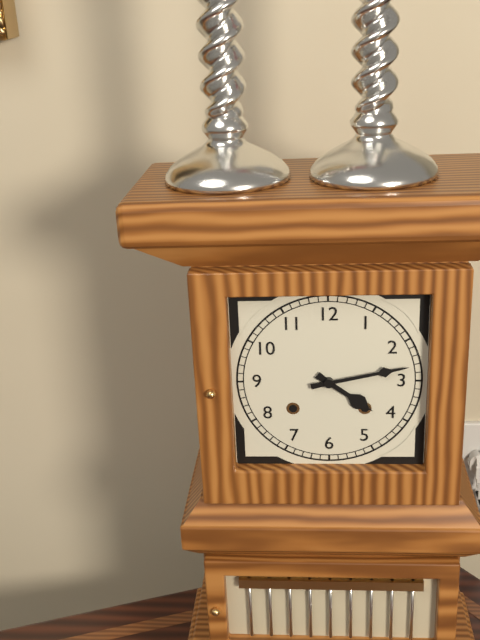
{"hour": 4, "minute": 13}
